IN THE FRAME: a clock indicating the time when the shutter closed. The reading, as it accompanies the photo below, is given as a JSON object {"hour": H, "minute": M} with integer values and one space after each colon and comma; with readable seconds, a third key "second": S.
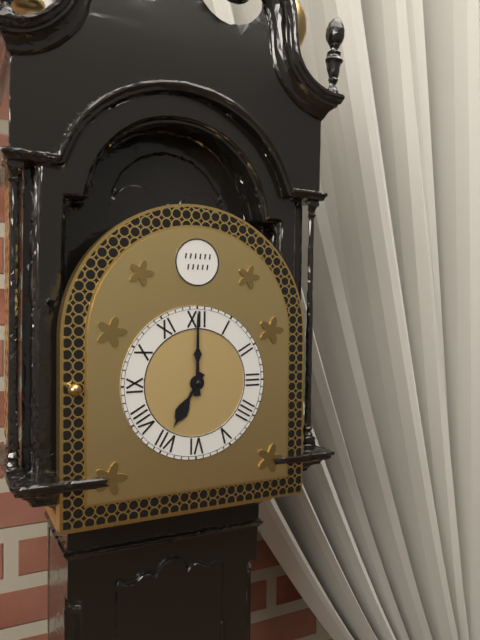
{"hour": 7, "minute": 0}
